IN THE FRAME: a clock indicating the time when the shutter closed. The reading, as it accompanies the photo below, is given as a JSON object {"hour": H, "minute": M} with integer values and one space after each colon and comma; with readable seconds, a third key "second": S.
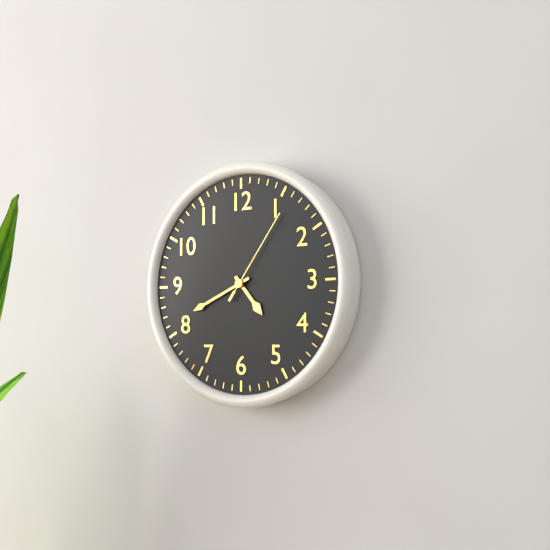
{"hour": 4, "minute": 41, "second": 6}
